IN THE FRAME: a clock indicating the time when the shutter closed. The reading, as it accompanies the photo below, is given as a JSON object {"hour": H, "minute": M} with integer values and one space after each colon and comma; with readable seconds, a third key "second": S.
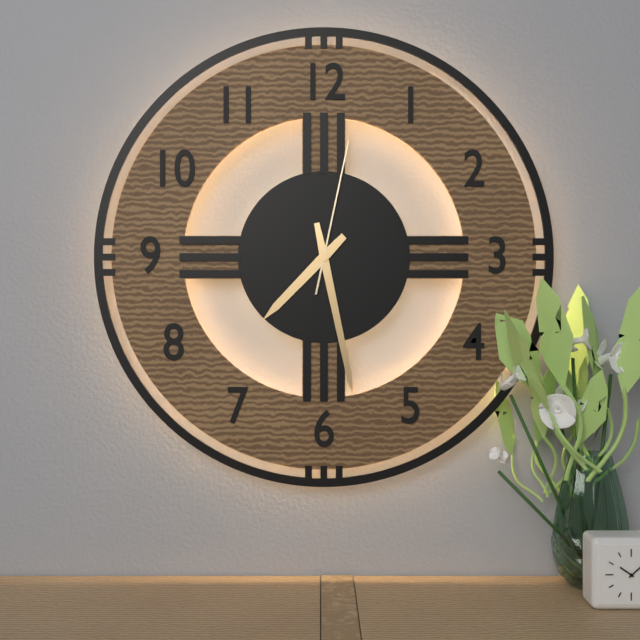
{"hour": 7, "minute": 28, "second": 2}
